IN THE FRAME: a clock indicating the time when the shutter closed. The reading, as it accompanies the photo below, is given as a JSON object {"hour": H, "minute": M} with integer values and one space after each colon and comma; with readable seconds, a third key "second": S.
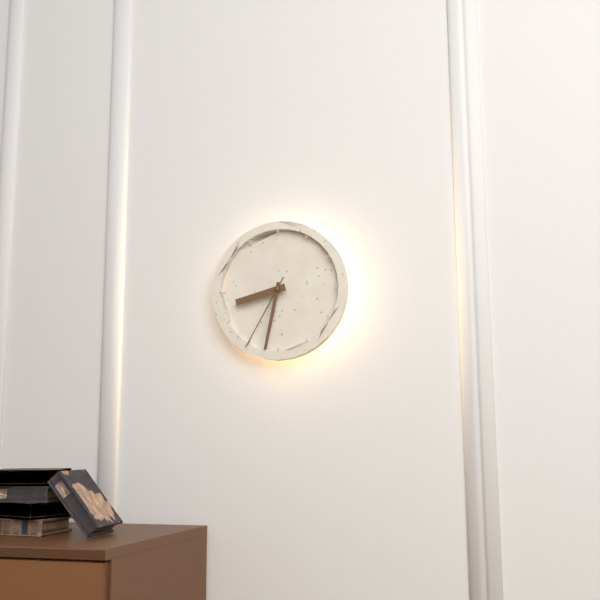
{"hour": 8, "minute": 32, "second": 35}
